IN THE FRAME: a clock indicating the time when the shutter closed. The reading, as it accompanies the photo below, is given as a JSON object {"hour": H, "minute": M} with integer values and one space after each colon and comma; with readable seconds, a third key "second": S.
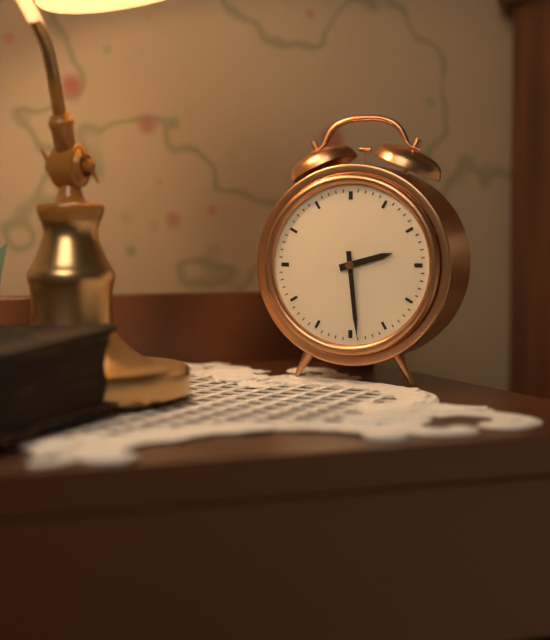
{"hour": 2, "minute": 29}
